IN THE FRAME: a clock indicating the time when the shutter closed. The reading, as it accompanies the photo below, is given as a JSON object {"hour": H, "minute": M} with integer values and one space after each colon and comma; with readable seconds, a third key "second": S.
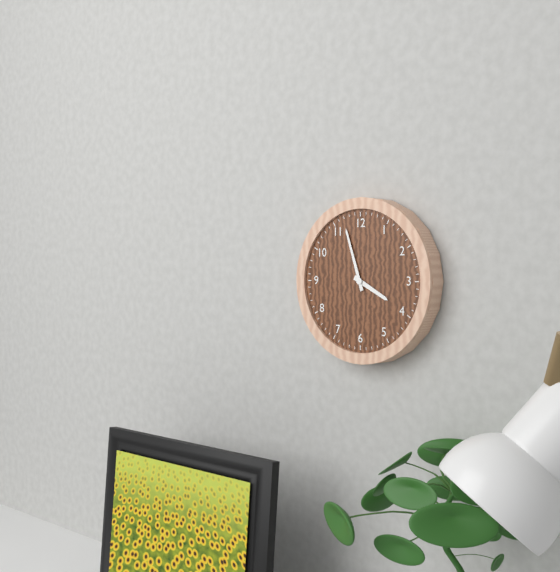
{"hour": 3, "minute": 57}
